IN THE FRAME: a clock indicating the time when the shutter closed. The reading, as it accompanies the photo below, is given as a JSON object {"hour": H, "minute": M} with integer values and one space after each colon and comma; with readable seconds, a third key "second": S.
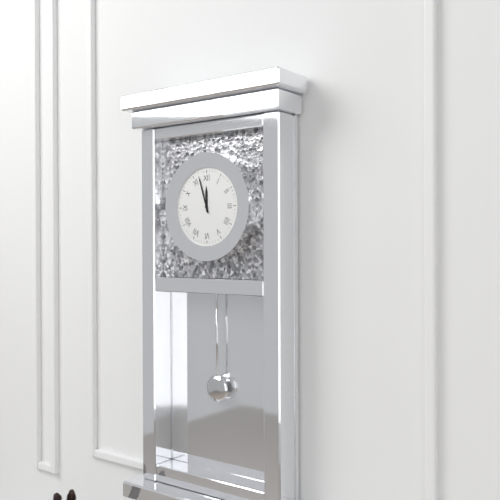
{"hour": 11, "minute": 57}
